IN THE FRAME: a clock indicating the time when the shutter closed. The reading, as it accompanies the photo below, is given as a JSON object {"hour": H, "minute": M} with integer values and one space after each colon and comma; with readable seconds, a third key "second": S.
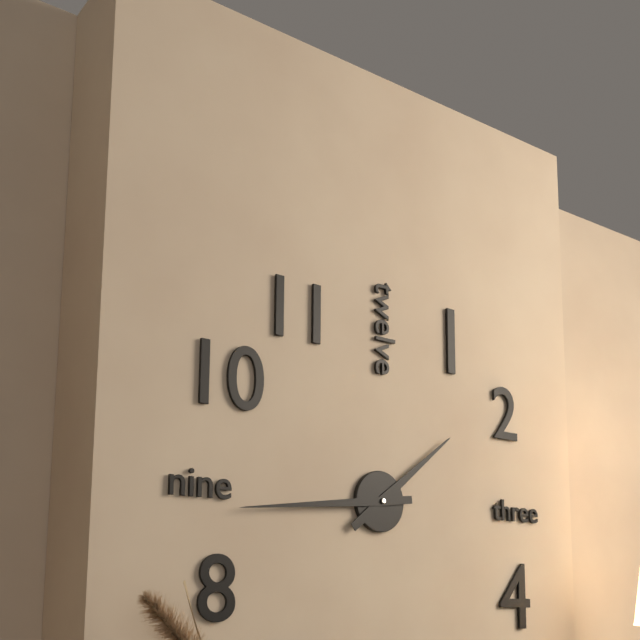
{"hour": 1, "minute": 44}
